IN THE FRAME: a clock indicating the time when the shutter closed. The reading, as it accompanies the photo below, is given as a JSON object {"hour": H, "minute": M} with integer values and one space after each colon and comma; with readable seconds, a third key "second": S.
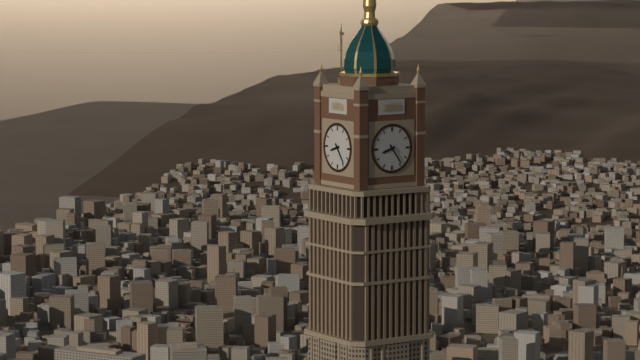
{"hour": 8, "minute": 24}
